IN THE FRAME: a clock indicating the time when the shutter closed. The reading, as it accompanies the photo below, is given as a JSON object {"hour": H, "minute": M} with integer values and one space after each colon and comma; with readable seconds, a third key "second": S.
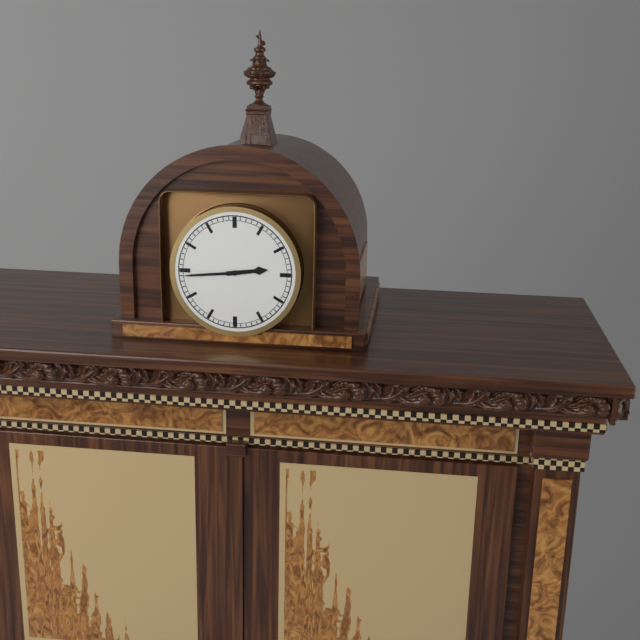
{"hour": 2, "minute": 44}
